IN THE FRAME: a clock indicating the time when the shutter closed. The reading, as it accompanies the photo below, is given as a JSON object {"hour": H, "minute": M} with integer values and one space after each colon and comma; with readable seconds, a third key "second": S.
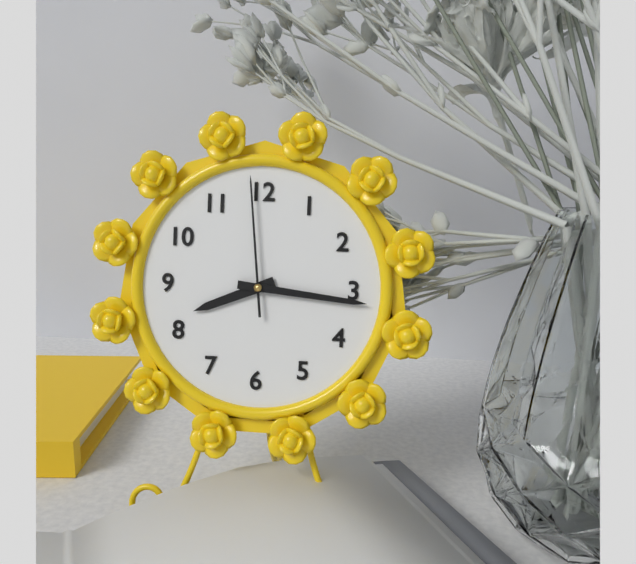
{"hour": 8, "minute": 16, "second": 59}
